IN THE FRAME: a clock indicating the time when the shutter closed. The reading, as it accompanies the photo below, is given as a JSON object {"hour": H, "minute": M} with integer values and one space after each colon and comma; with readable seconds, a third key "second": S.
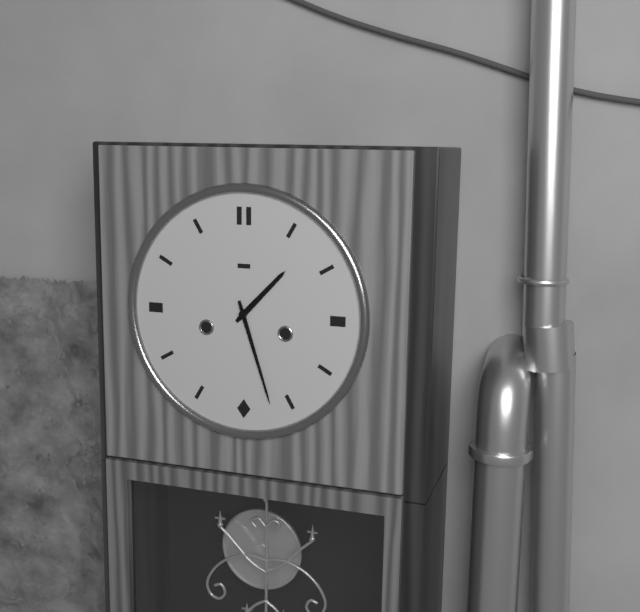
{"hour": 1, "minute": 27}
